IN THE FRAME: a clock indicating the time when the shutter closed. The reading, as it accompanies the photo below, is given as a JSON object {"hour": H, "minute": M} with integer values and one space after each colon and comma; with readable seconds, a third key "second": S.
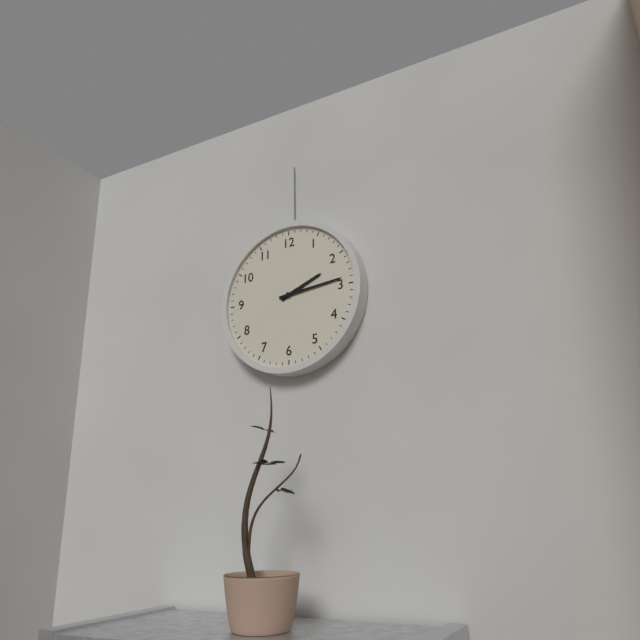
{"hour": 2, "minute": 14}
